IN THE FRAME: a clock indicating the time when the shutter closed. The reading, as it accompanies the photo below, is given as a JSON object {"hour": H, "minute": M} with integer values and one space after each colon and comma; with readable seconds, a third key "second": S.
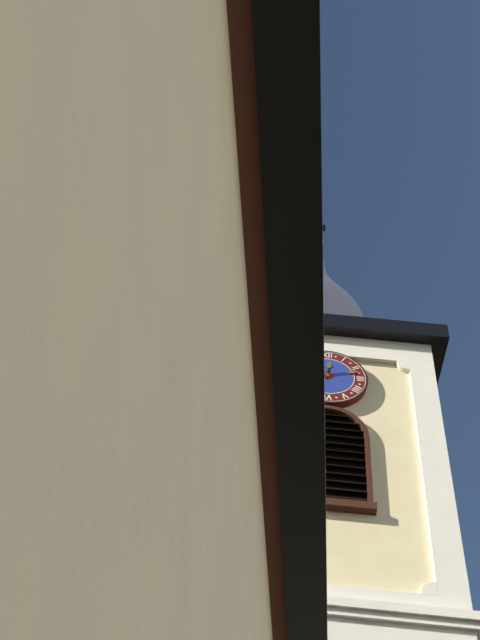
{"hour": 12, "minute": 12}
